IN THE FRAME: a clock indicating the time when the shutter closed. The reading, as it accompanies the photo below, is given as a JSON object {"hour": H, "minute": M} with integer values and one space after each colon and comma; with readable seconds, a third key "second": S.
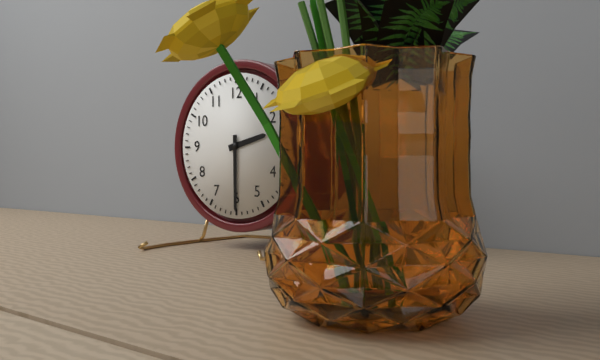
{"hour": 2, "minute": 30}
